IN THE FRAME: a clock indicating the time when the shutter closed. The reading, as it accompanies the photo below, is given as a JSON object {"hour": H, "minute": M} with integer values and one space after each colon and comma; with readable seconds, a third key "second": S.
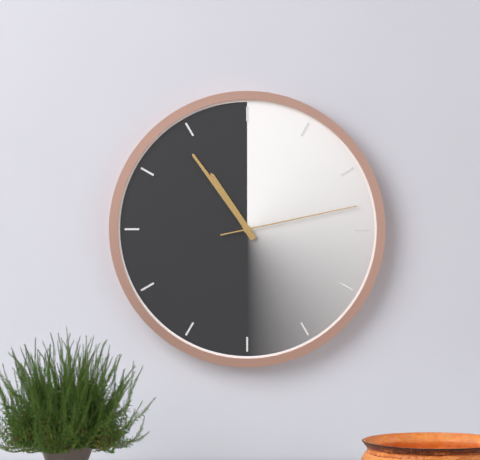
{"hour": 10, "minute": 54, "second": 13}
